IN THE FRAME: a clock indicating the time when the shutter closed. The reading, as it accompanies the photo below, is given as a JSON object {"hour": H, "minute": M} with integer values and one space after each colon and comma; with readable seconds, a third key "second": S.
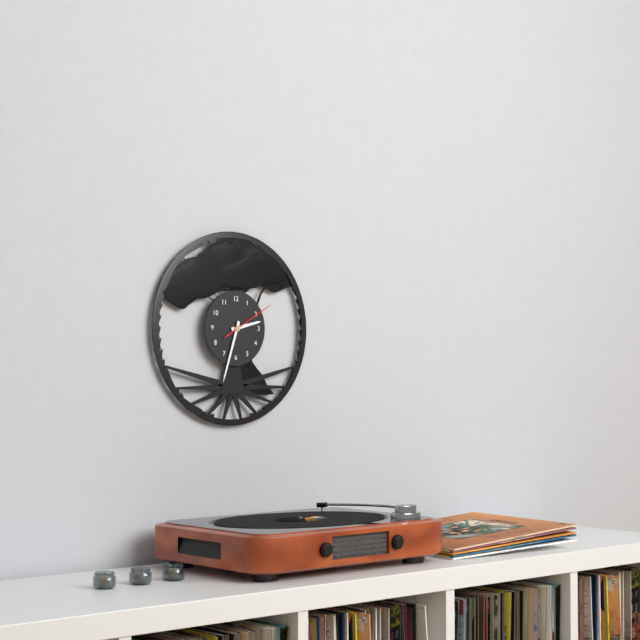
{"hour": 2, "minute": 33, "second": 10}
